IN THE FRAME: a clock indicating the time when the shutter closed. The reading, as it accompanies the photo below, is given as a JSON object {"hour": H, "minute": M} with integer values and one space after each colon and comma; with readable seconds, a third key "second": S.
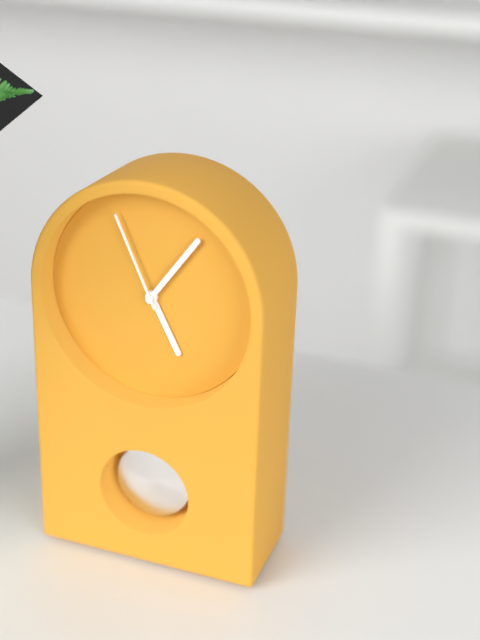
{"hour": 5, "minute": 6, "second": 56}
